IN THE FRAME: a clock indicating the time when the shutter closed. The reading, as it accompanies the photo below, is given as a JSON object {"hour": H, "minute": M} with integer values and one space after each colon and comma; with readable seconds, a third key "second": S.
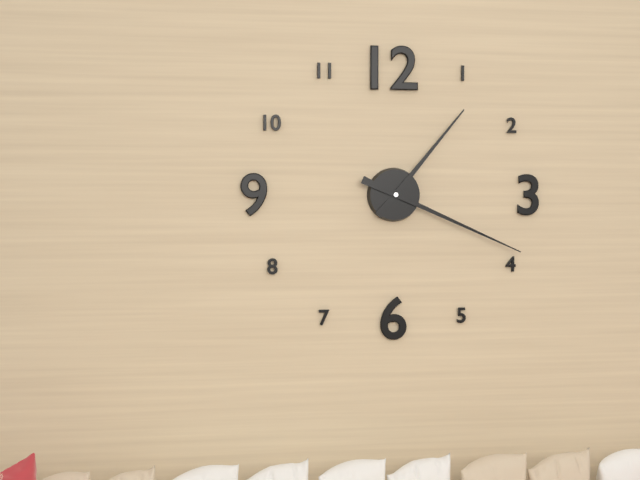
{"hour": 1, "minute": 19}
